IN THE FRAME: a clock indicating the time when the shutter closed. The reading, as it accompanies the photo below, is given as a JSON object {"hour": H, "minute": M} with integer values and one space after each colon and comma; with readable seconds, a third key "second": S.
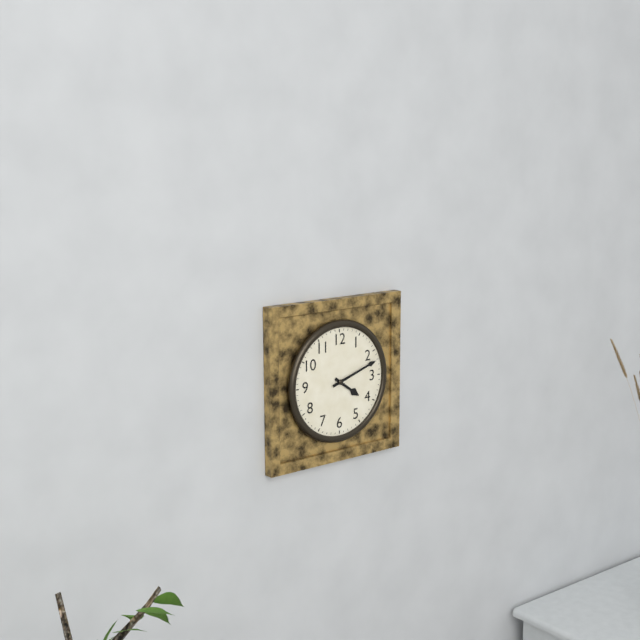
{"hour": 4, "minute": 12}
